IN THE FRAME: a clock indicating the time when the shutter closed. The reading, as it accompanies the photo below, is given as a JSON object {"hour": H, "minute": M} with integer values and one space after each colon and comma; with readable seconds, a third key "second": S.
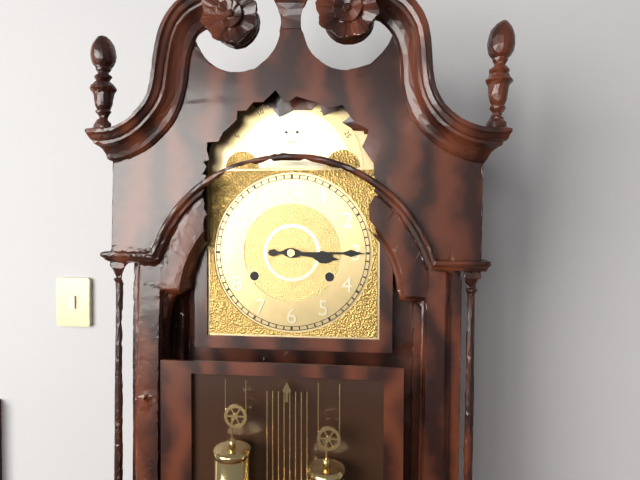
{"hour": 3, "minute": 15}
